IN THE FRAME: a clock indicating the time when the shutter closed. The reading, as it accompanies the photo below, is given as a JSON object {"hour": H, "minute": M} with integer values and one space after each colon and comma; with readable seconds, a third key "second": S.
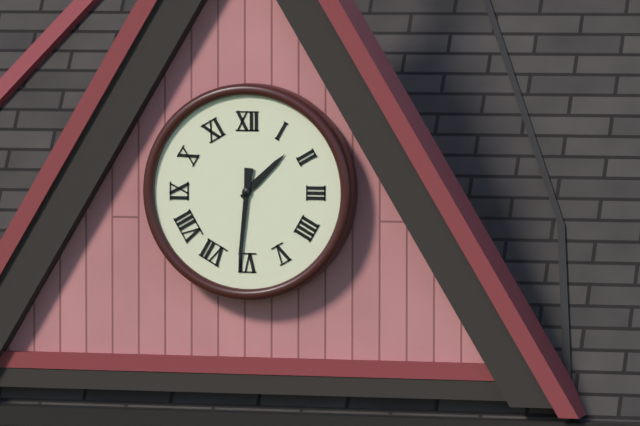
{"hour": 1, "minute": 31}
